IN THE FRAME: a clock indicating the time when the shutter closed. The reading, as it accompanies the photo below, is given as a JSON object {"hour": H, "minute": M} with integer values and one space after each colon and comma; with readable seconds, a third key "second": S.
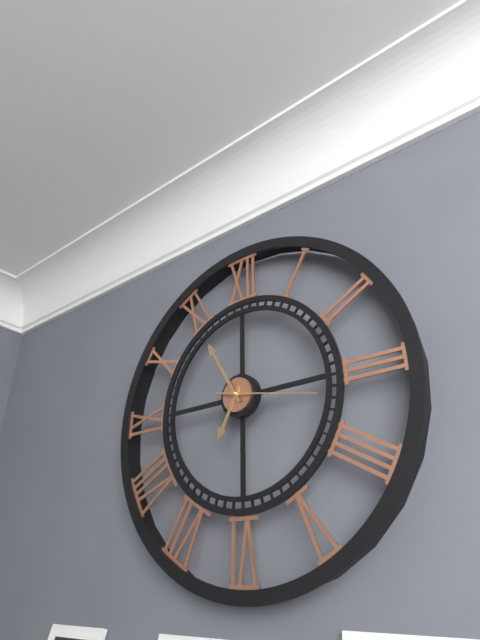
{"hour": 6, "minute": 55, "second": 17}
